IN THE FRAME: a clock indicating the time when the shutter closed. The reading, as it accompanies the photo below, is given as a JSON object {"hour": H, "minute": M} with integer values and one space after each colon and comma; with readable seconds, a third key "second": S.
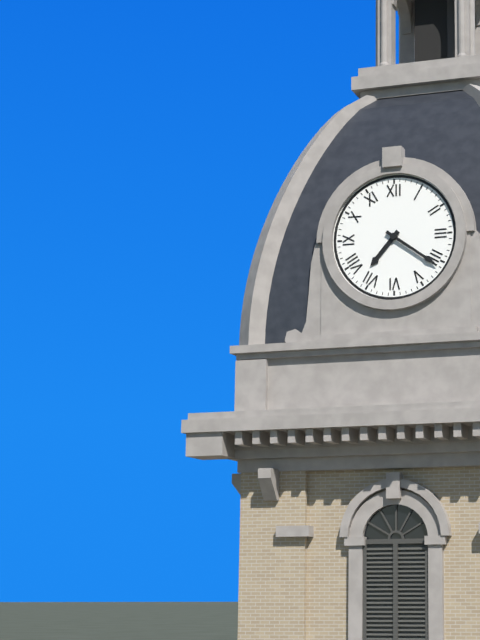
{"hour": 7, "minute": 21}
